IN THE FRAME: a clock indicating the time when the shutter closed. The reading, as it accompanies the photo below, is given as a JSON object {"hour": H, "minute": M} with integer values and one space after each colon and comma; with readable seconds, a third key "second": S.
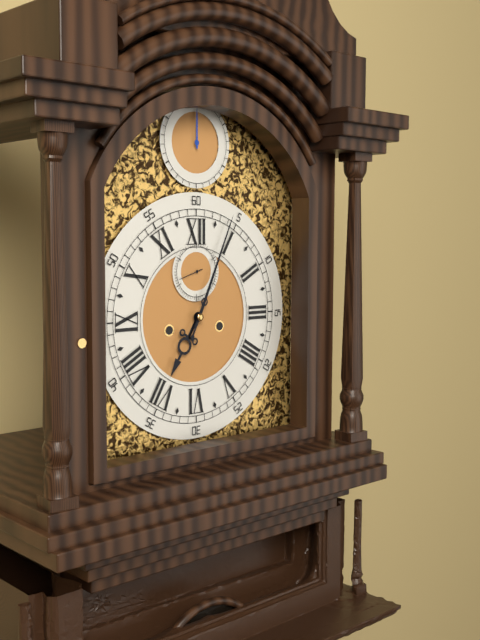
{"hour": 7, "minute": 4}
